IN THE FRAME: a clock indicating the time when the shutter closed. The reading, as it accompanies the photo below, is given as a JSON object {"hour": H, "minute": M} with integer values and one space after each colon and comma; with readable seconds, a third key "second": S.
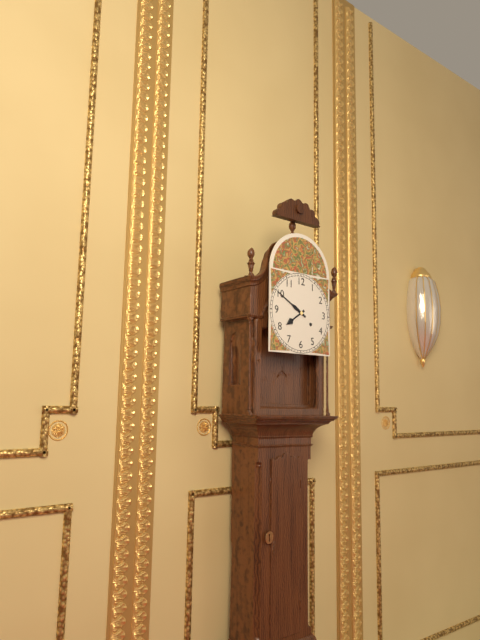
{"hour": 7, "minute": 50}
